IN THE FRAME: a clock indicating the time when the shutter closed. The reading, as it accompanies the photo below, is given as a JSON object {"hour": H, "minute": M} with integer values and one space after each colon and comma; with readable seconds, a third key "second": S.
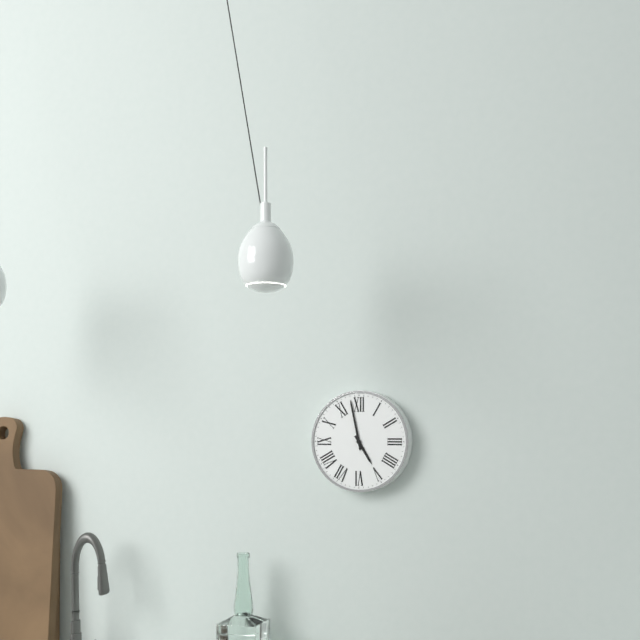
{"hour": 4, "minute": 58}
